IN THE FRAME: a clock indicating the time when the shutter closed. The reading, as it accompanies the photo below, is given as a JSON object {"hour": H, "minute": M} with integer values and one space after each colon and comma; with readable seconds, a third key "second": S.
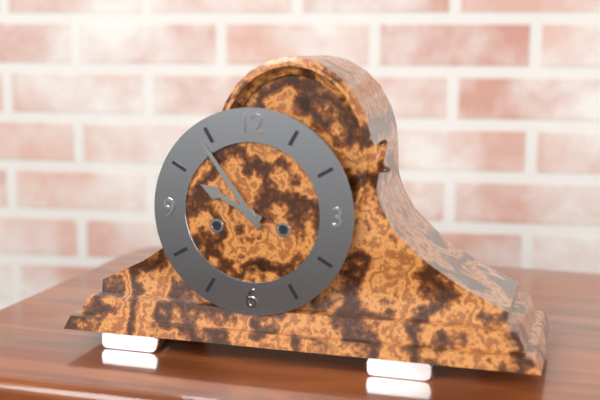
{"hour": 9, "minute": 54}
